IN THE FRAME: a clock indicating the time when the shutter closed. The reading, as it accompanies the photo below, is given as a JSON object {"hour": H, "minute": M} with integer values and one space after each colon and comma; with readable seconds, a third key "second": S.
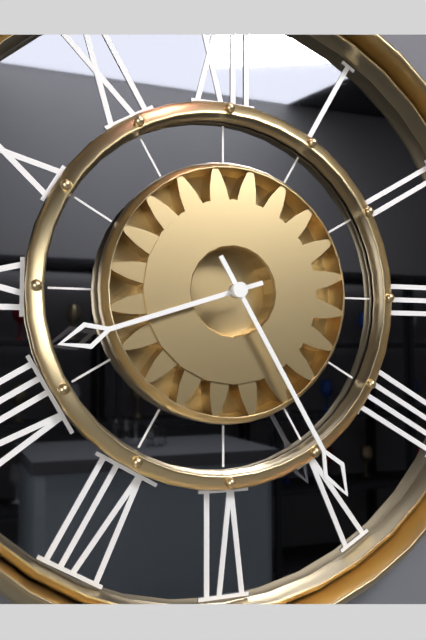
{"hour": 8, "minute": 25}
